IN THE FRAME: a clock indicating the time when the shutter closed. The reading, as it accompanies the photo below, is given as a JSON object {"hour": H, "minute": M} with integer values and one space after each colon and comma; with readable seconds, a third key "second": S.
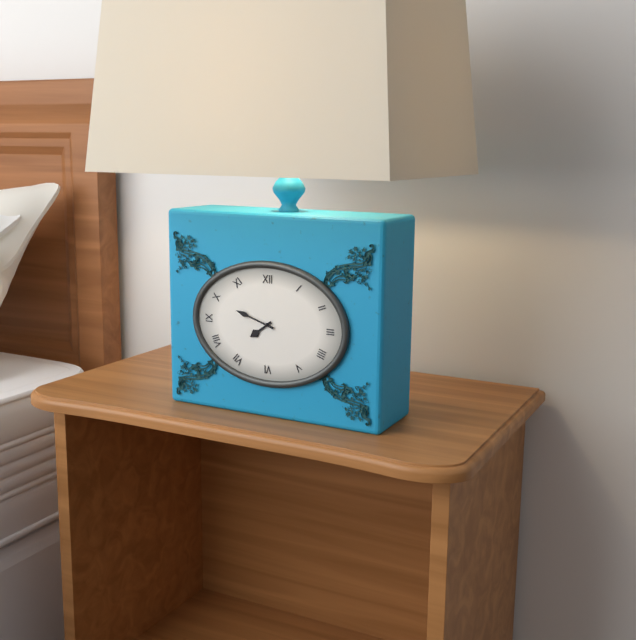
{"hour": 7, "minute": 48}
